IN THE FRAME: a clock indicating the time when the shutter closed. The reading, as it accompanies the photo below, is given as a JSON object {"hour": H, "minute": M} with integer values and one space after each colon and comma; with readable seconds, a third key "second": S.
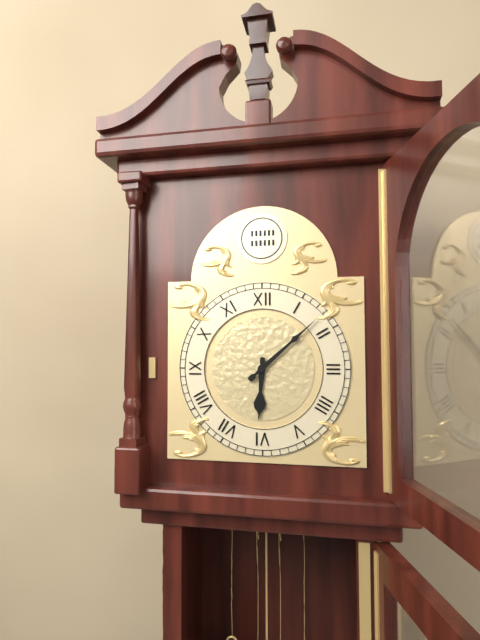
{"hour": 6, "minute": 8}
